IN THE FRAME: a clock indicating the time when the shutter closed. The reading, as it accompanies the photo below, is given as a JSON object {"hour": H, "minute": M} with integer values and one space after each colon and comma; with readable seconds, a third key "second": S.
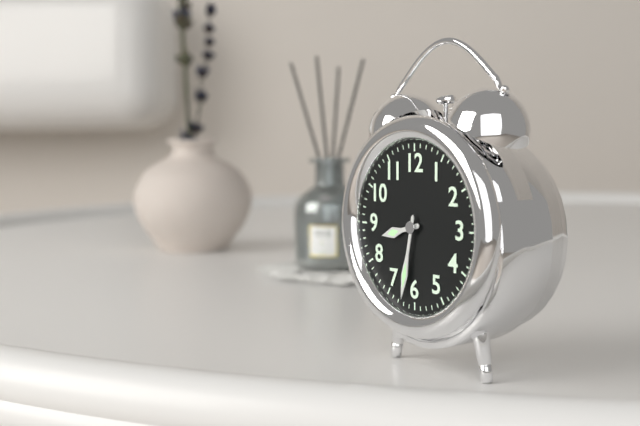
{"hour": 8, "minute": 32}
